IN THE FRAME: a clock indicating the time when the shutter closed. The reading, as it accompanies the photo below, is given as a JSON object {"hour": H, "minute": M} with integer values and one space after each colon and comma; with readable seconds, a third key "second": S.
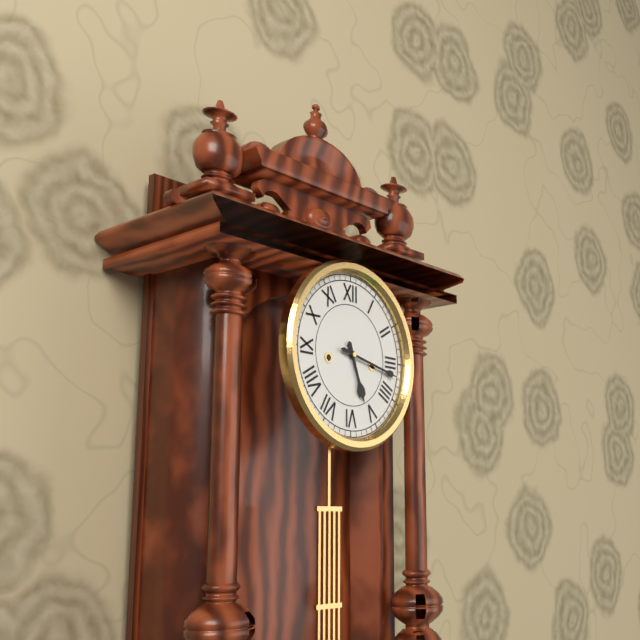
{"hour": 5, "minute": 17}
